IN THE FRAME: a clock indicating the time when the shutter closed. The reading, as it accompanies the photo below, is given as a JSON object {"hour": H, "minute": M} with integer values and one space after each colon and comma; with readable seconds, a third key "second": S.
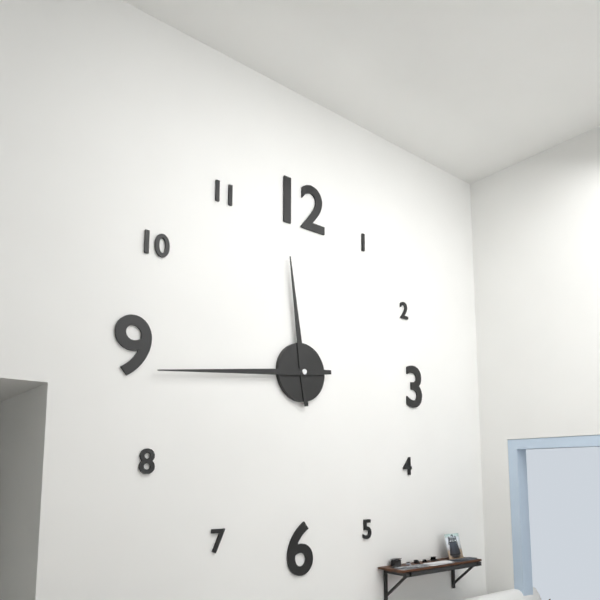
{"hour": 11, "minute": 44}
